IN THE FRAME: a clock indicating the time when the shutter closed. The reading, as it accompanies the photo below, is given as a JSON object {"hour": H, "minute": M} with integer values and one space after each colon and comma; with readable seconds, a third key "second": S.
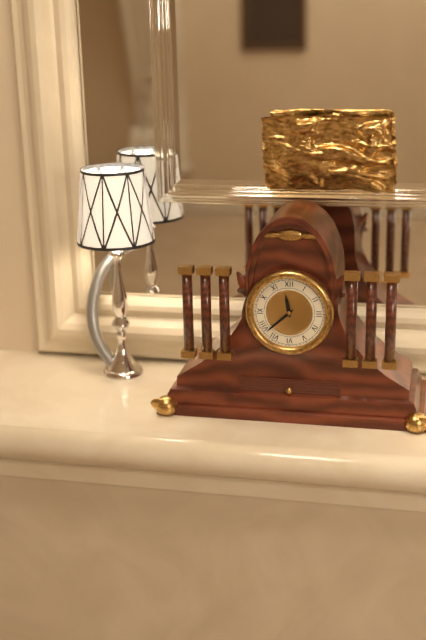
{"hour": 11, "minute": 38}
